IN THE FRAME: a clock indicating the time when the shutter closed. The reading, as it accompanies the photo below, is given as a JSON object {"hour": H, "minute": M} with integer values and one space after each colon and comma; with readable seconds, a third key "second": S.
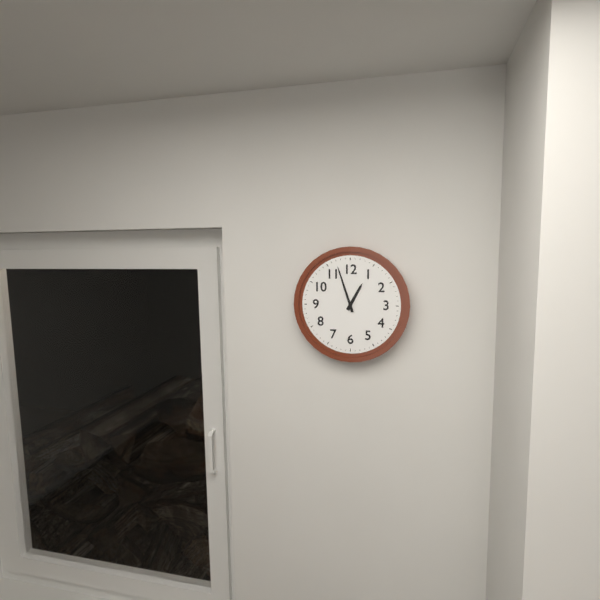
{"hour": 12, "minute": 57}
